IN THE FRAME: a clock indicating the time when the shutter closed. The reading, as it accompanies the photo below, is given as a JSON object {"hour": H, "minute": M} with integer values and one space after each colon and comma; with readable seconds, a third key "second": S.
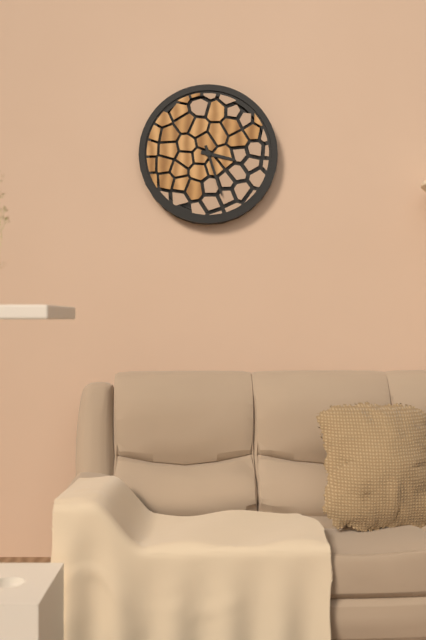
{"hour": 3, "minute": 27}
